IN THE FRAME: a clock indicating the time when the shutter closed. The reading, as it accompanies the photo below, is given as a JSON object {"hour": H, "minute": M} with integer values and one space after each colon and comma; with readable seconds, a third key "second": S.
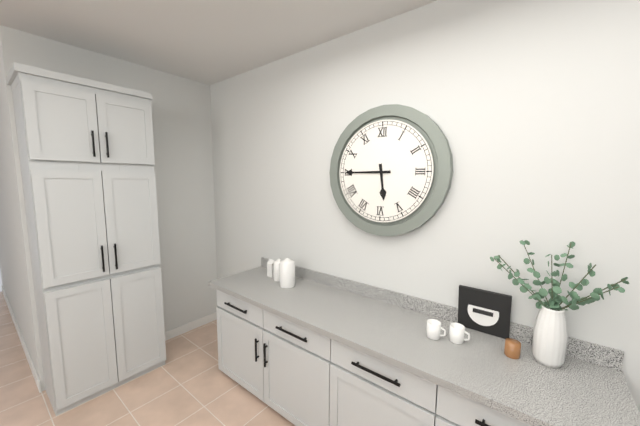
{"hour": 5, "minute": 45}
